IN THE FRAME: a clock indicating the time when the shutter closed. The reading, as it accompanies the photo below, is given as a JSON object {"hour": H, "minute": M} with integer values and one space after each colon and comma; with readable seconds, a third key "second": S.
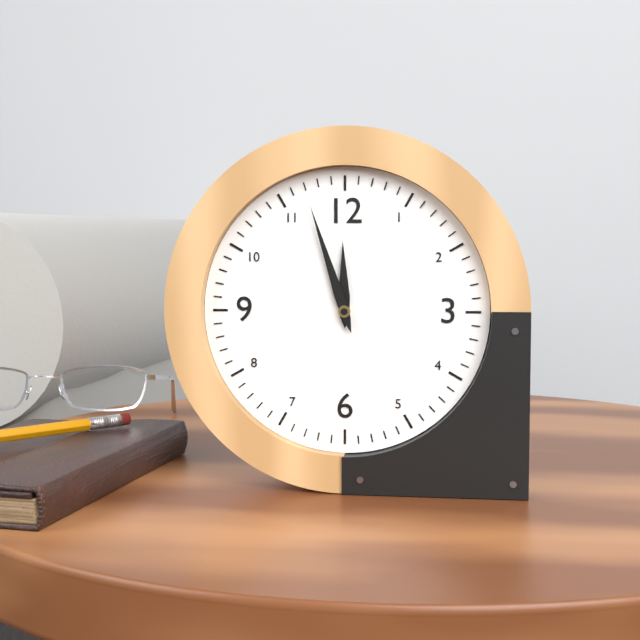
{"hour": 11, "minute": 57}
